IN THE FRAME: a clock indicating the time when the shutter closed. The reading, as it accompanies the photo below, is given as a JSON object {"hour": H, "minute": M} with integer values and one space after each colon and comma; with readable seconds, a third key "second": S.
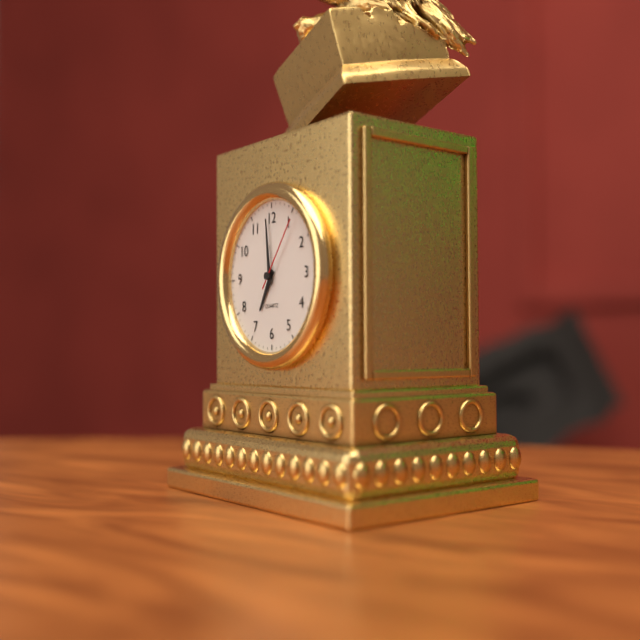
{"hour": 6, "minute": 59, "second": 6}
